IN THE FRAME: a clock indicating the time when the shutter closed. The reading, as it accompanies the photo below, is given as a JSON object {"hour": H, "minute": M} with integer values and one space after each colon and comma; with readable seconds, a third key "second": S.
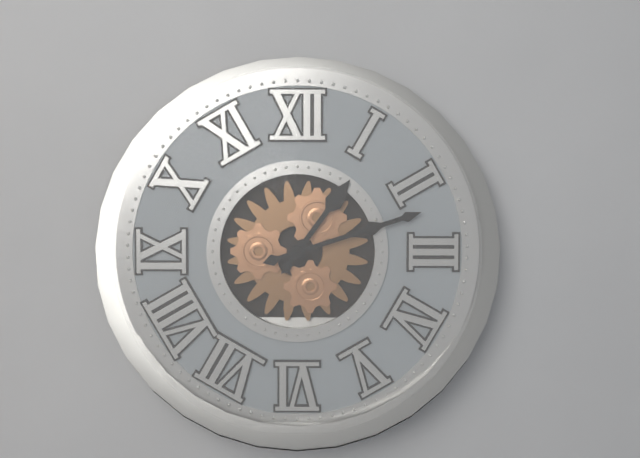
{"hour": 1, "minute": 12}
